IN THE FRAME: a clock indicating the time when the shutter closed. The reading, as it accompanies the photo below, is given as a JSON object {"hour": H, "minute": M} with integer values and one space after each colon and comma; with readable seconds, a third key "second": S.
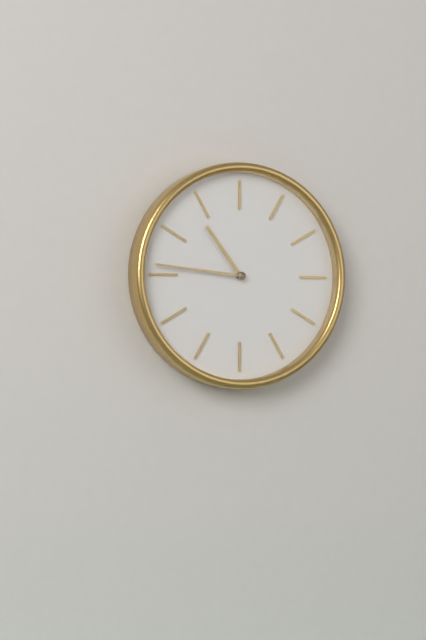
{"hour": 10, "minute": 46}
